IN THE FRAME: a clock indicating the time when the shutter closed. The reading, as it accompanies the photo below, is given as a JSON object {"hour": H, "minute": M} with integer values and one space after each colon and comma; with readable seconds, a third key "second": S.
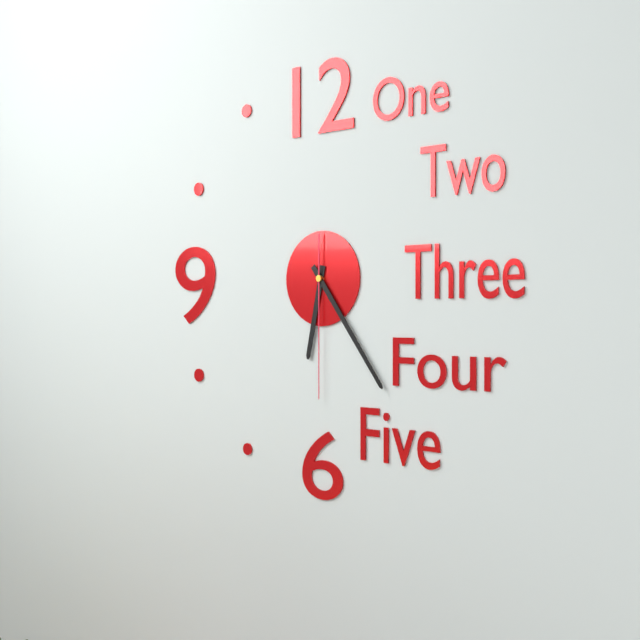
{"hour": 6, "minute": 24, "second": 30}
